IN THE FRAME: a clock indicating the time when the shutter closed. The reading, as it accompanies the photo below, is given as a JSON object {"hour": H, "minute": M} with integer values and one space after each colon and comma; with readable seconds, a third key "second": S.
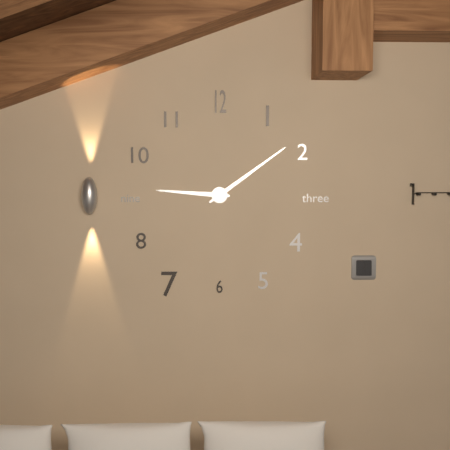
{"hour": 9, "minute": 9}
